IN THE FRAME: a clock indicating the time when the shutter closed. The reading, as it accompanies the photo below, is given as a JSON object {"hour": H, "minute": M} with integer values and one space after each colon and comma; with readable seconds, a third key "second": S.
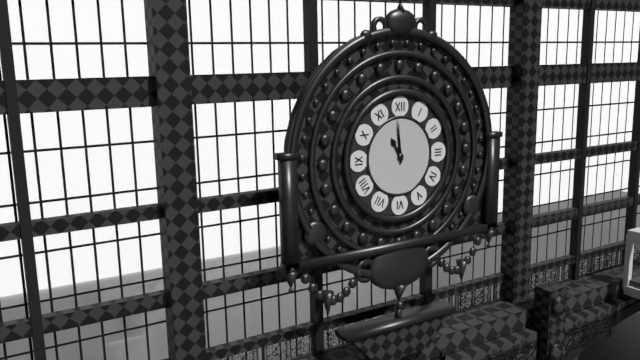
{"hour": 10, "minute": 59}
